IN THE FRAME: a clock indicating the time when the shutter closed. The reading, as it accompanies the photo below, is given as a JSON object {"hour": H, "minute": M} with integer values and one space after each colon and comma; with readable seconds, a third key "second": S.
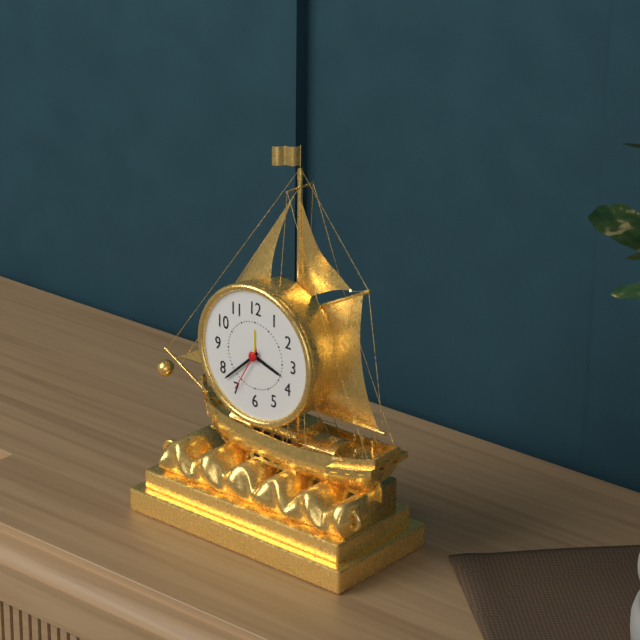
{"hour": 3, "minute": 38}
